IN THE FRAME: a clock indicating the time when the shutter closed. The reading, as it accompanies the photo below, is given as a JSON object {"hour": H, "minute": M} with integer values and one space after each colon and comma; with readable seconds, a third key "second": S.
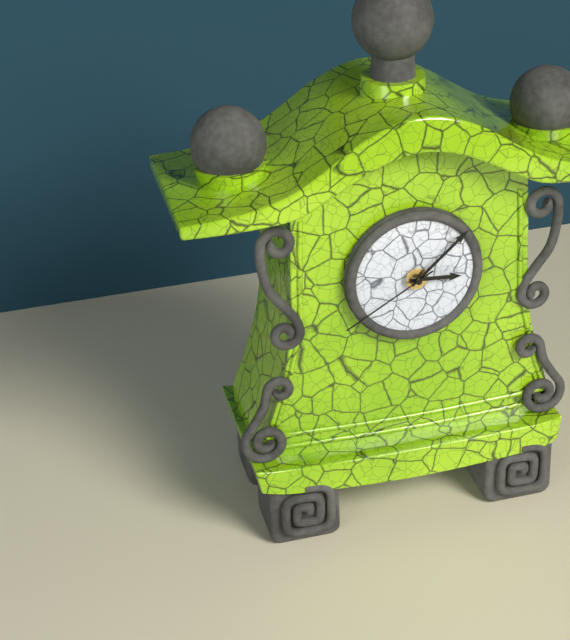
{"hour": 3, "minute": 8, "second": 40}
